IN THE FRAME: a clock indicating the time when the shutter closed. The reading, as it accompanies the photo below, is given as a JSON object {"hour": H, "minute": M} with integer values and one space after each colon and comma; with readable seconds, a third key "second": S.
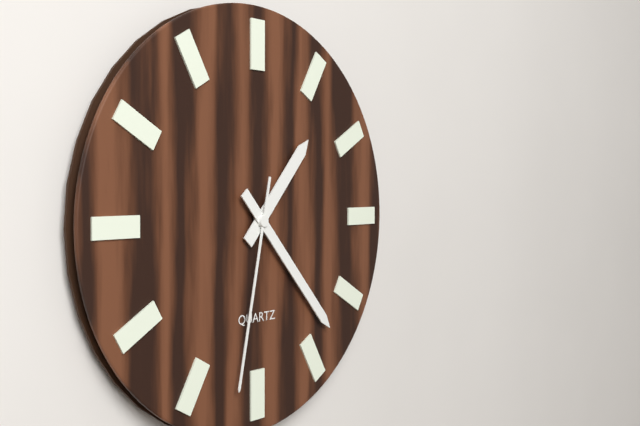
{"hour": 1, "minute": 23, "second": 32}
